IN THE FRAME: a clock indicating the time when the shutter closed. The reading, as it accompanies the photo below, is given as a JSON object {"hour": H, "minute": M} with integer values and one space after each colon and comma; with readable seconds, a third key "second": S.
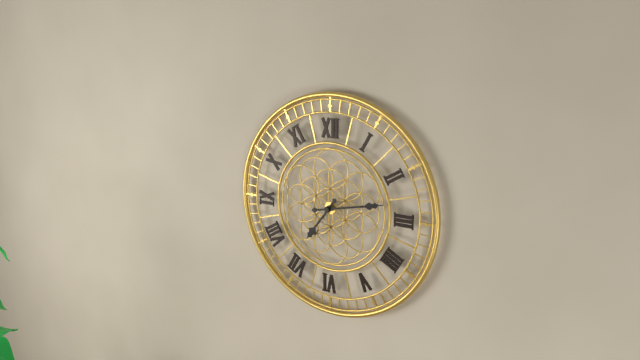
{"hour": 7, "minute": 13}
